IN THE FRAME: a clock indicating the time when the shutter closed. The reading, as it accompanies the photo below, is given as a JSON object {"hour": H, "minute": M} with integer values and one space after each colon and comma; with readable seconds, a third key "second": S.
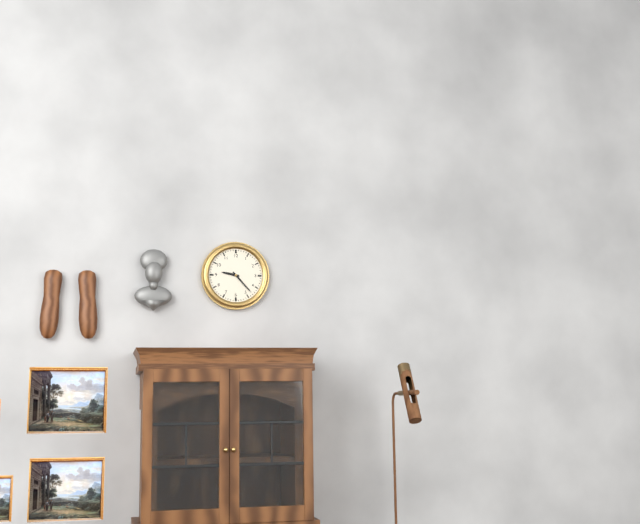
{"hour": 9, "minute": 23}
